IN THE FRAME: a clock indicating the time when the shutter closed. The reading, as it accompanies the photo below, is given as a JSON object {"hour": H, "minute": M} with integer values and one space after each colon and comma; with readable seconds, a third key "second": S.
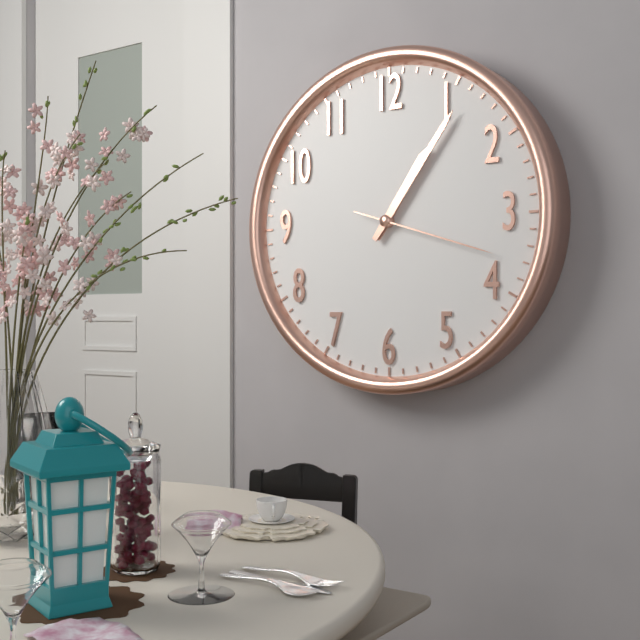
{"hour": 1, "minute": 6, "second": 18}
